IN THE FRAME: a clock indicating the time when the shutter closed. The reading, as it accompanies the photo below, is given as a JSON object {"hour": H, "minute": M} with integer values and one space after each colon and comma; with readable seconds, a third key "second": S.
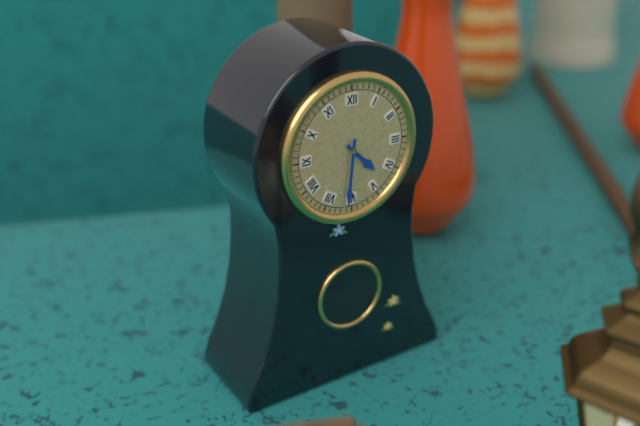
{"hour": 4, "minute": 31}
